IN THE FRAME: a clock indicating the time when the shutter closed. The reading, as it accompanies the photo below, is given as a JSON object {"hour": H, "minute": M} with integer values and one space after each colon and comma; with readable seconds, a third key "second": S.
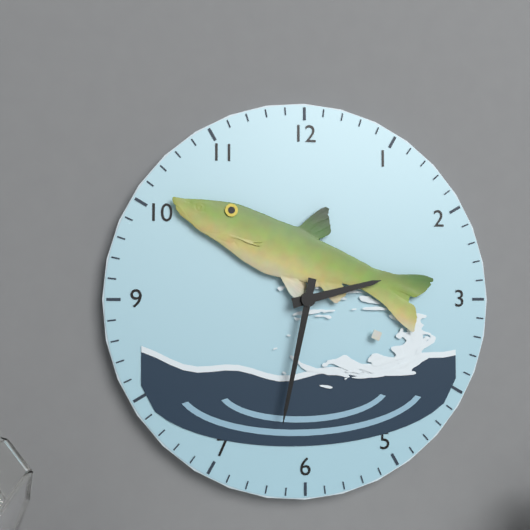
{"hour": 2, "minute": 32}
